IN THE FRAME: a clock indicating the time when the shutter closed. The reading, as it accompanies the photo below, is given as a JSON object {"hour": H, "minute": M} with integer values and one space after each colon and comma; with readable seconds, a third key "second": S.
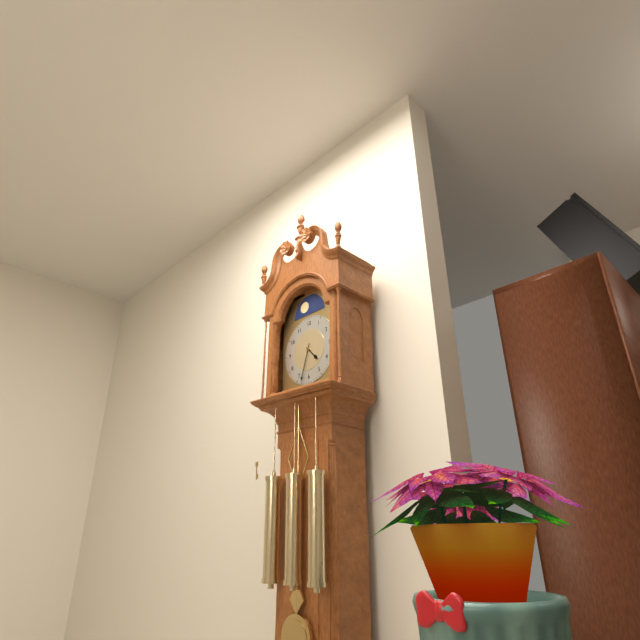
{"hour": 4, "minute": 33}
